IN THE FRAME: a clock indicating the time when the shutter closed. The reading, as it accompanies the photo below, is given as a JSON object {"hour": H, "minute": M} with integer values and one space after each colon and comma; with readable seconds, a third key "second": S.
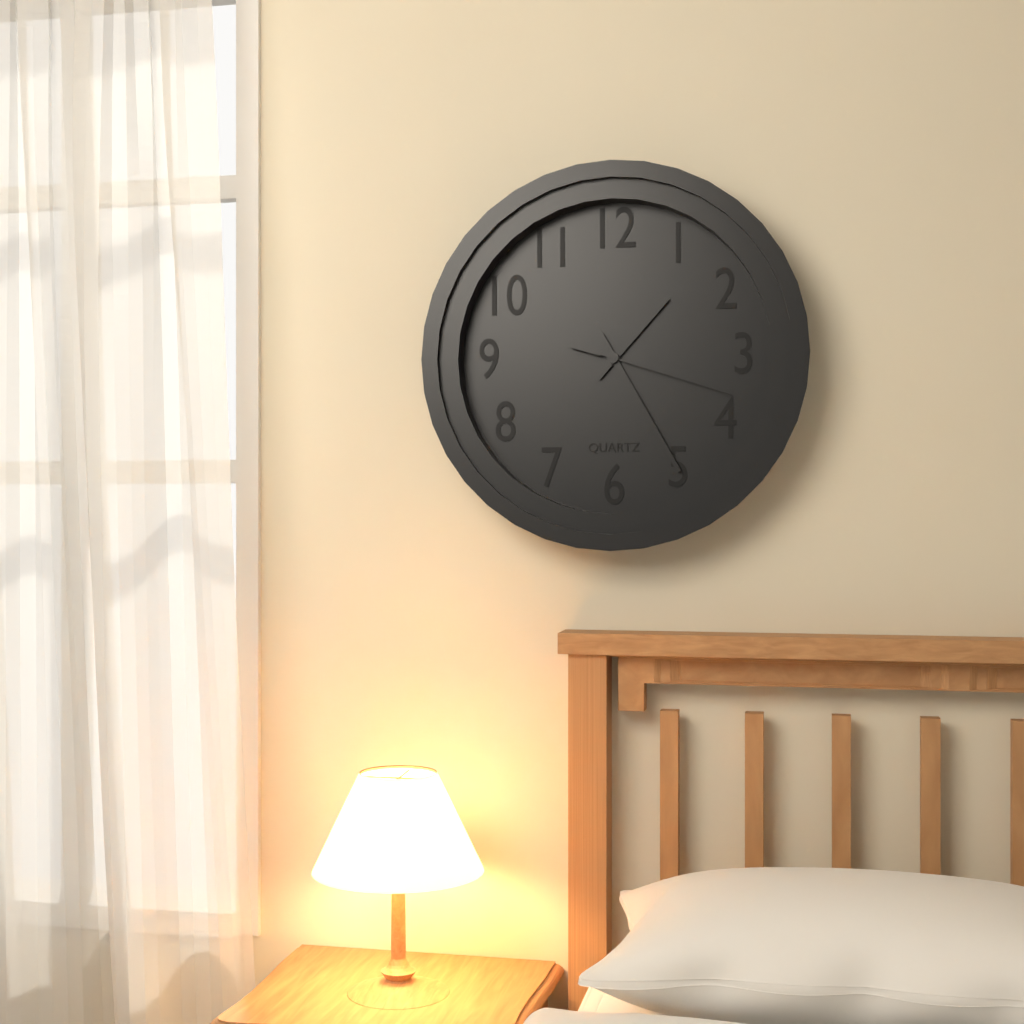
{"hour": 1, "minute": 25, "second": 18}
